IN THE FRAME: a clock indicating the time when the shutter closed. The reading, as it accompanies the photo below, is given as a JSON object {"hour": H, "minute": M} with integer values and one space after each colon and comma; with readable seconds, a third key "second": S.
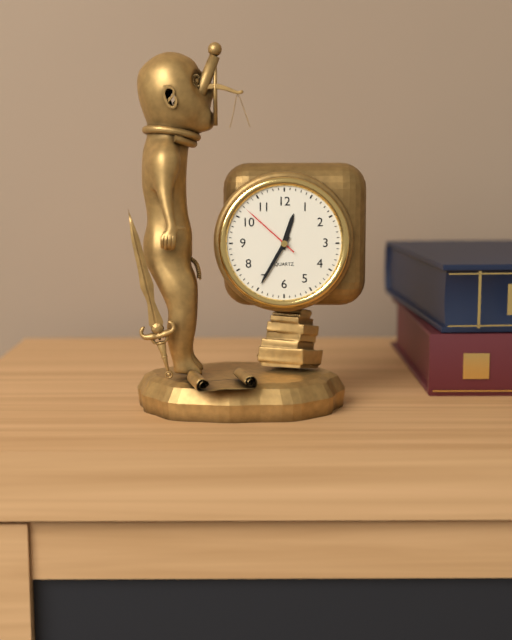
{"hour": 12, "minute": 35, "second": 52}
